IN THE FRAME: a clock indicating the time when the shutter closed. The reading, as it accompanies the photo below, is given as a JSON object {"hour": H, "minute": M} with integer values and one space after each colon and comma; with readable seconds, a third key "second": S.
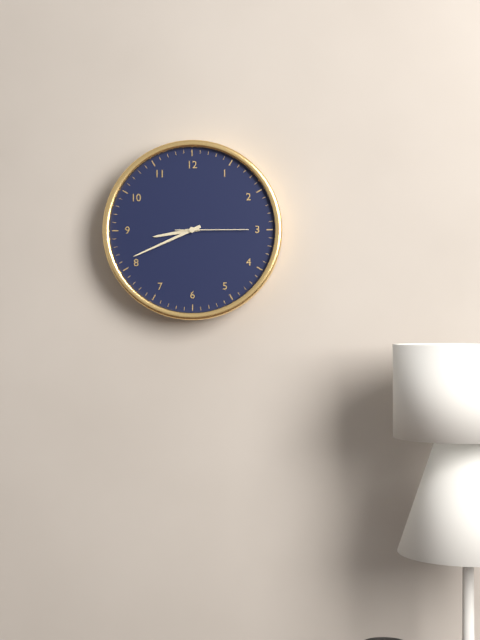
{"hour": 8, "minute": 41, "second": 15}
